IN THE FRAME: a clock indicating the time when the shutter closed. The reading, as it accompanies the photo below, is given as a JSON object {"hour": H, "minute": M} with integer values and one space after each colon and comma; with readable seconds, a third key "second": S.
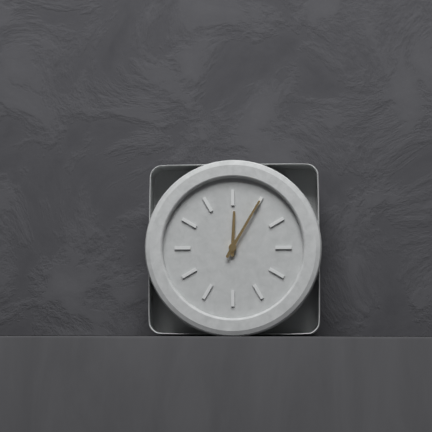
{"hour": 12, "minute": 5}
